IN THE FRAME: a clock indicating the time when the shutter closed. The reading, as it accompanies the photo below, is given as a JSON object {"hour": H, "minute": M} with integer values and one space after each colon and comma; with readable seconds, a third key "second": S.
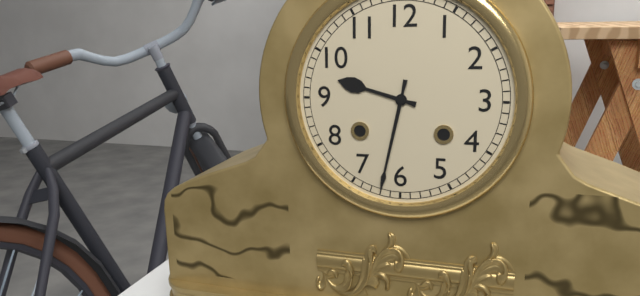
{"hour": 9, "minute": 32}
